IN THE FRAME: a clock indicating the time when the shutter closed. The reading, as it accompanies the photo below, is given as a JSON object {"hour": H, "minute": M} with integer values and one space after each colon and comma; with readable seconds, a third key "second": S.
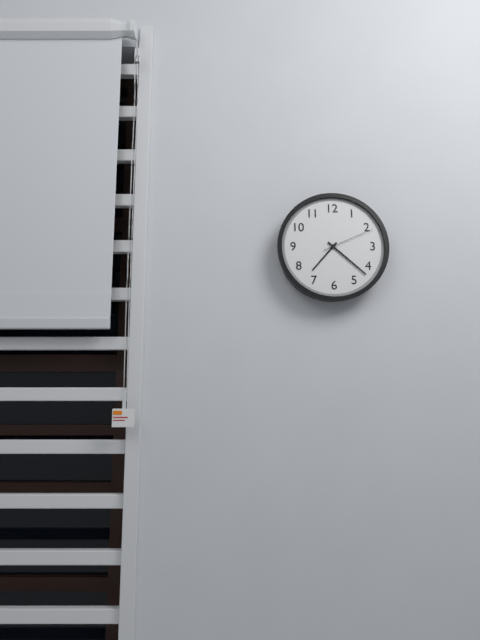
{"hour": 7, "minute": 22, "second": 11}
